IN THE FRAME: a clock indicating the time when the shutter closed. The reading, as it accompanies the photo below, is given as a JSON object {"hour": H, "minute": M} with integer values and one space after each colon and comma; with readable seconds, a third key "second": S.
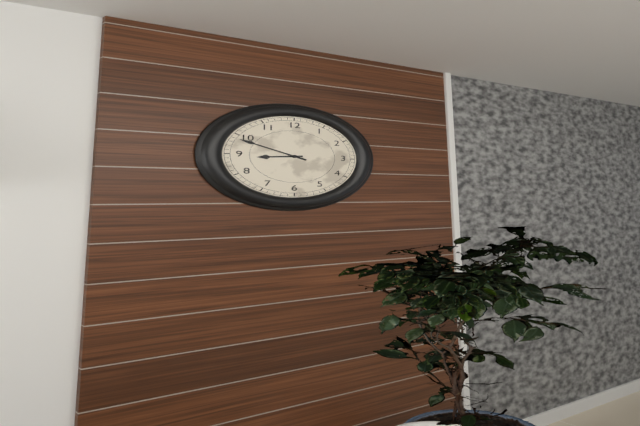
{"hour": 8, "minute": 49}
